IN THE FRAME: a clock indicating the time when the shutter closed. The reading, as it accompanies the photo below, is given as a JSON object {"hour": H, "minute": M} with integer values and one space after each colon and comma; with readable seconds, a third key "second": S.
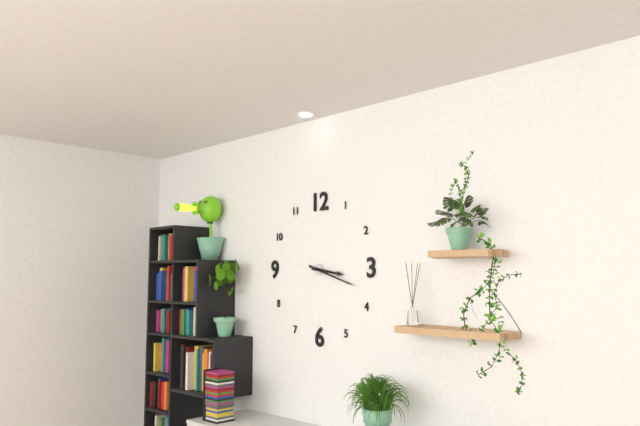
{"hour": 3, "minute": 18}
